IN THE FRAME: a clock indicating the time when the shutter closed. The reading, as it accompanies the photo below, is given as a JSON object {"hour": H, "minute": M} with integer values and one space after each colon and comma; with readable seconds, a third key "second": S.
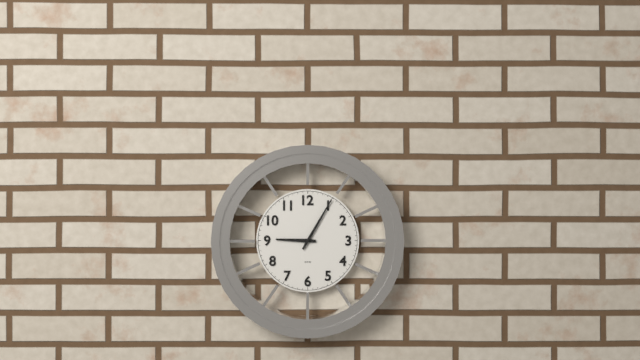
{"hour": 9, "minute": 5}
